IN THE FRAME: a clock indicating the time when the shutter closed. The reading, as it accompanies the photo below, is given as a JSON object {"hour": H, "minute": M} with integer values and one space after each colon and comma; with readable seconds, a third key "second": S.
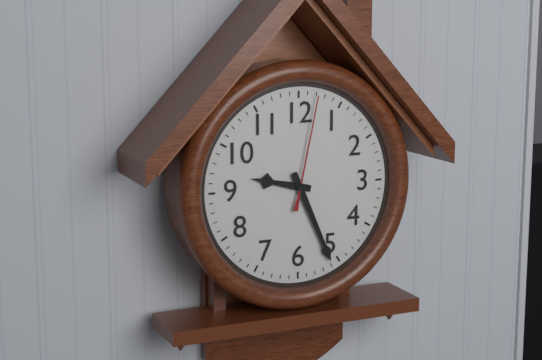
{"hour": 9, "minute": 26, "second": 2}
